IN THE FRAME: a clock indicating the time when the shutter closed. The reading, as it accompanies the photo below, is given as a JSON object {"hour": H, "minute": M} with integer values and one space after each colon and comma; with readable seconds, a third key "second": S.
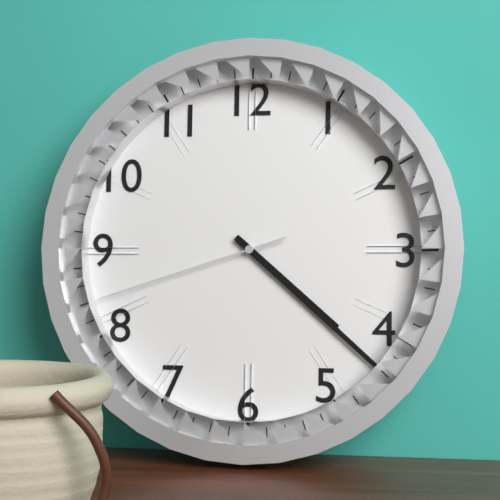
{"hour": 4, "minute": 22, "second": 42}
